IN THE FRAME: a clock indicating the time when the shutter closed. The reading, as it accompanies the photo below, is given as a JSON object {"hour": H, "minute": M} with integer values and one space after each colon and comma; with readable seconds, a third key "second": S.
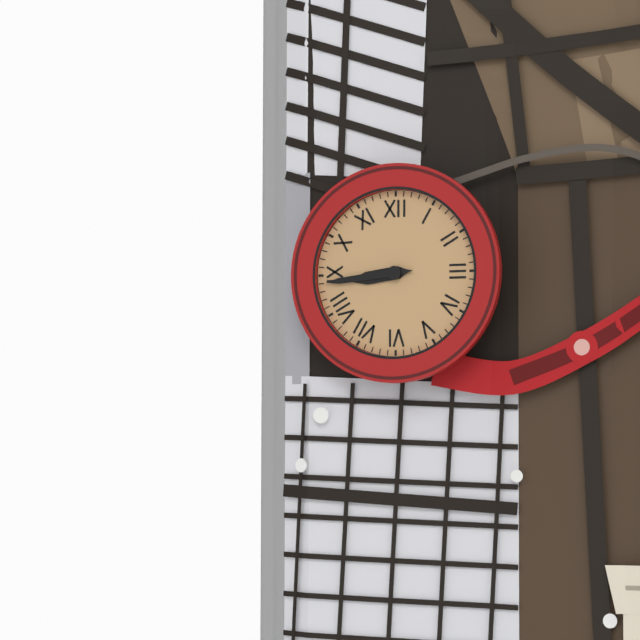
{"hour": 8, "minute": 44}
